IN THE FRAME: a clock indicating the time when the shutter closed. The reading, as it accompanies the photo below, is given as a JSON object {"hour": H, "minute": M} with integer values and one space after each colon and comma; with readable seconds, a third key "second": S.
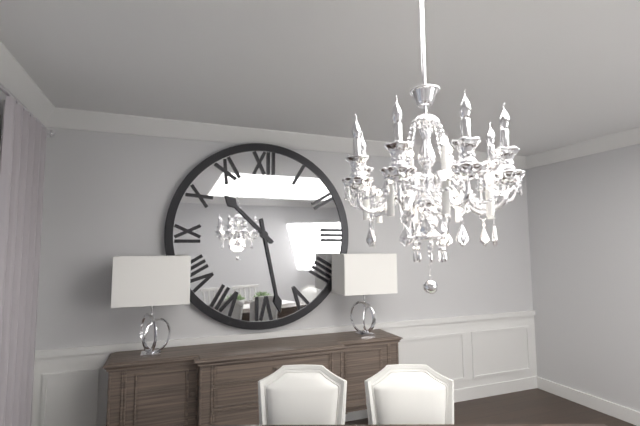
{"hour": 10, "minute": 28}
